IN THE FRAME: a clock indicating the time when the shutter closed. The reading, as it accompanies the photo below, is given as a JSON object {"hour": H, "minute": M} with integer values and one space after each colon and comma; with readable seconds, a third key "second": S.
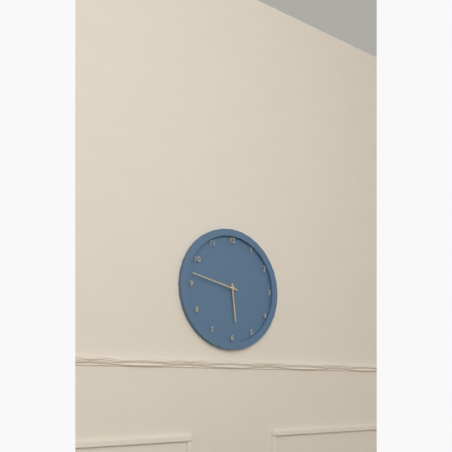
{"hour": 5, "minute": 47}
